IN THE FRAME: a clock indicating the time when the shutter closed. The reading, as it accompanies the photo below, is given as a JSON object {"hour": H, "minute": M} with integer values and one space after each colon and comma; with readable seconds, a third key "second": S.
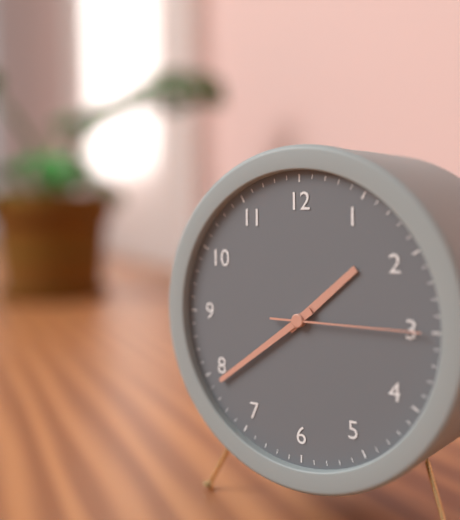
{"hour": 1, "minute": 39, "second": 15}
